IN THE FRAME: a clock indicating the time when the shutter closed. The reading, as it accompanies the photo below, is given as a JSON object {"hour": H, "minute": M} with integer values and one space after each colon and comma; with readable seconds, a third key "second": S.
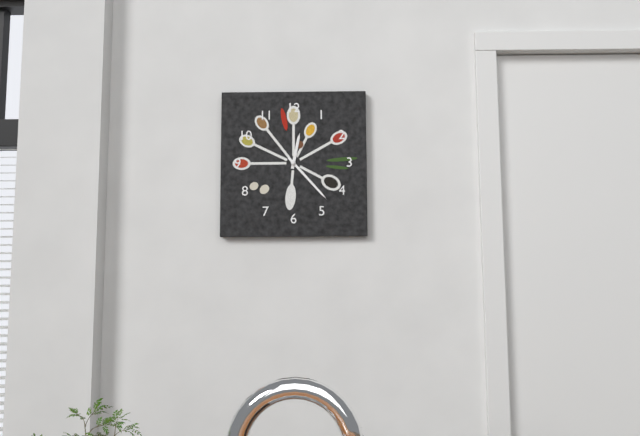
{"hour": 12, "minute": 23}
